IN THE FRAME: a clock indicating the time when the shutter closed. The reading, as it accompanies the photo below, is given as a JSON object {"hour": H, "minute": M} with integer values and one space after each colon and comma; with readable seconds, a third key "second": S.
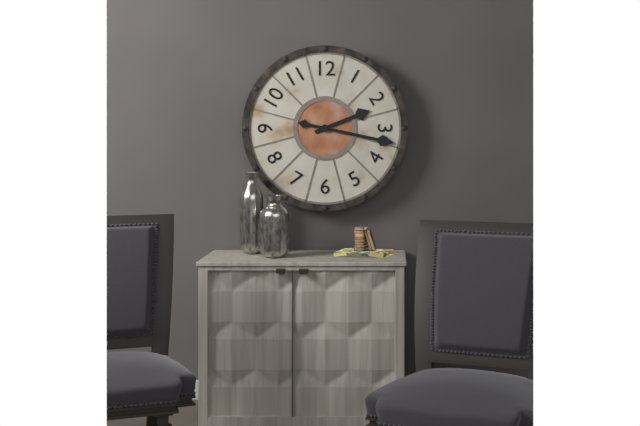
{"hour": 2, "minute": 17}
